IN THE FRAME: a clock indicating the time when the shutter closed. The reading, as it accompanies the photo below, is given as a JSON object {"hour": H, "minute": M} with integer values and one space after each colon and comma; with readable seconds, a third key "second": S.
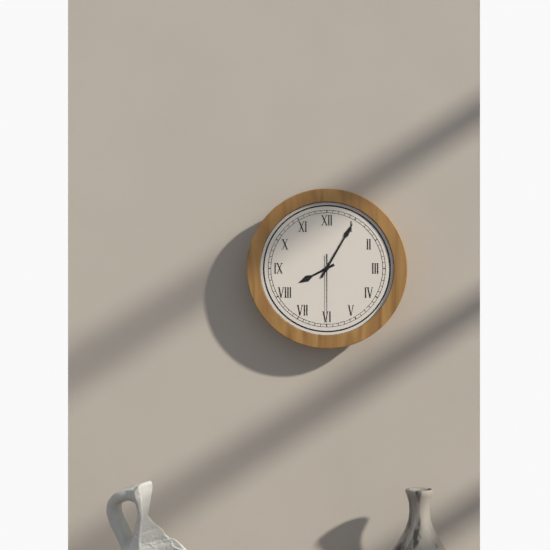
{"hour": 8, "minute": 5, "second": 30}
